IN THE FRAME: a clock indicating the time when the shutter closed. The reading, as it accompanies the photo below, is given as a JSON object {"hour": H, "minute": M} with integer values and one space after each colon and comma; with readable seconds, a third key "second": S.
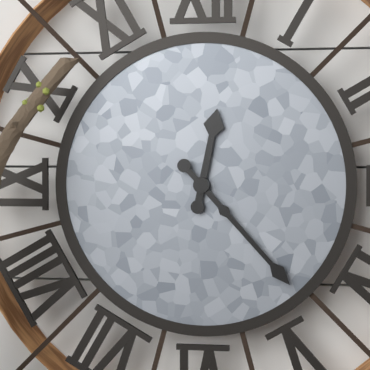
{"hour": 12, "minute": 23}
